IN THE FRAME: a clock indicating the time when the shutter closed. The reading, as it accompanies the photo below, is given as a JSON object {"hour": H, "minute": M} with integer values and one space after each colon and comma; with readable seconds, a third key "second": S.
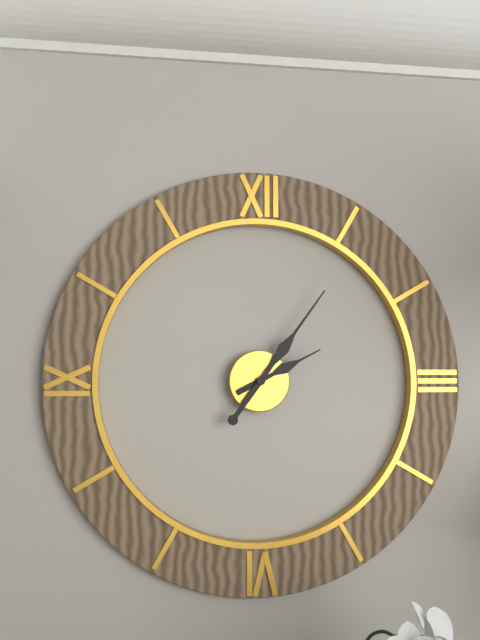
{"hour": 2, "minute": 6}
